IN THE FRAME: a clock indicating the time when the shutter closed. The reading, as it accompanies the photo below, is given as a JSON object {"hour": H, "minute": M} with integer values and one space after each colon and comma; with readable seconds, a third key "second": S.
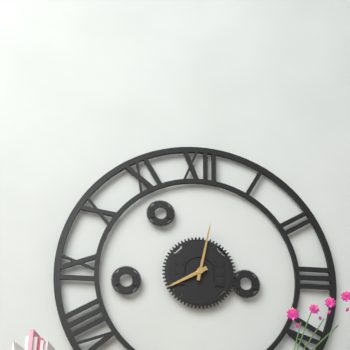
{"hour": 8, "minute": 2}
